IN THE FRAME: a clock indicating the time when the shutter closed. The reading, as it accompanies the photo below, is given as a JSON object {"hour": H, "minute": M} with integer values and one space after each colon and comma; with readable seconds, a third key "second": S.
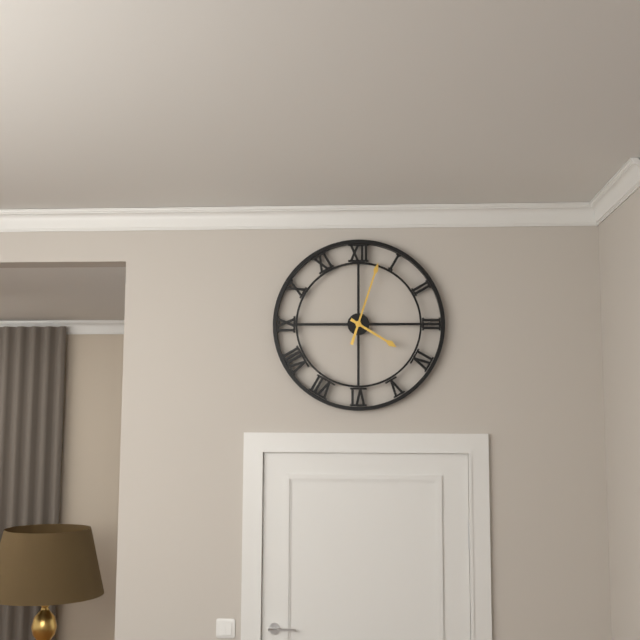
{"hour": 4, "minute": 3}
